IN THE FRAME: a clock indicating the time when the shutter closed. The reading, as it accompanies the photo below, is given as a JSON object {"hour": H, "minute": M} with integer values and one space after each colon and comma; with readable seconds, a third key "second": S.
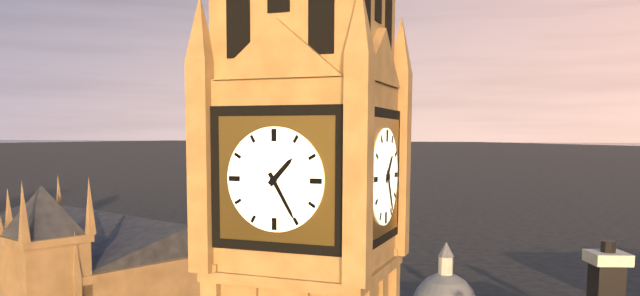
{"hour": 1, "minute": 25}
